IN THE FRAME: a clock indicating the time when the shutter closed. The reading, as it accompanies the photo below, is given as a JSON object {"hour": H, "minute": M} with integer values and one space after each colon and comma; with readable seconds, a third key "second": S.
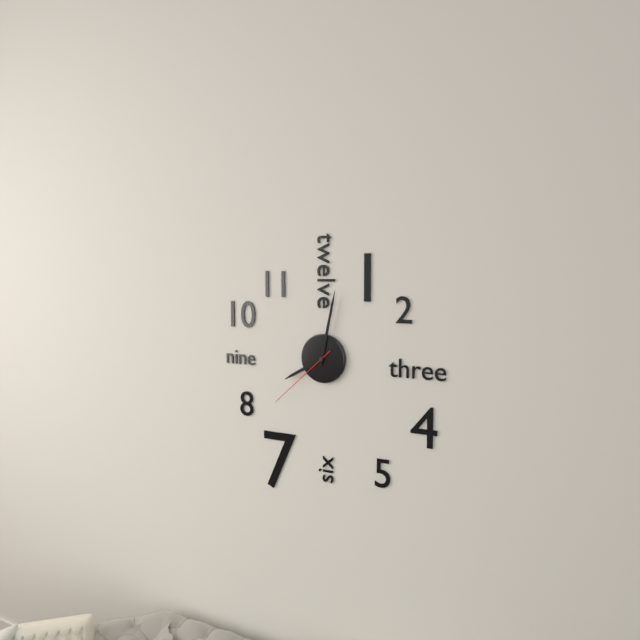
{"hour": 8, "minute": 2, "second": 38}
